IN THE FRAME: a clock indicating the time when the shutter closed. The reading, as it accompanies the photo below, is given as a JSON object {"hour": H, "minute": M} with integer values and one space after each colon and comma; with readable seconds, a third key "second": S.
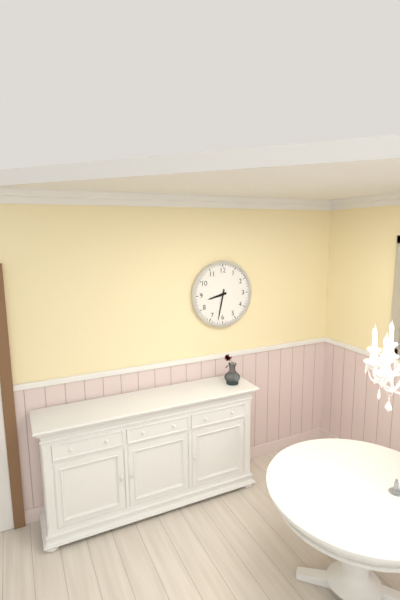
{"hour": 8, "minute": 32}
